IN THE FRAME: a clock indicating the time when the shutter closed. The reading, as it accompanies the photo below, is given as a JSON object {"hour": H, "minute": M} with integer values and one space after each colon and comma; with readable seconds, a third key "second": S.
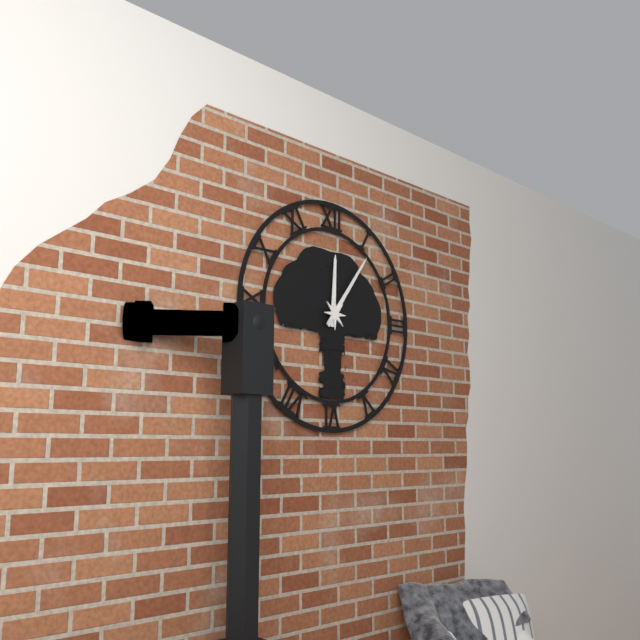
{"hour": 12, "minute": 6}
